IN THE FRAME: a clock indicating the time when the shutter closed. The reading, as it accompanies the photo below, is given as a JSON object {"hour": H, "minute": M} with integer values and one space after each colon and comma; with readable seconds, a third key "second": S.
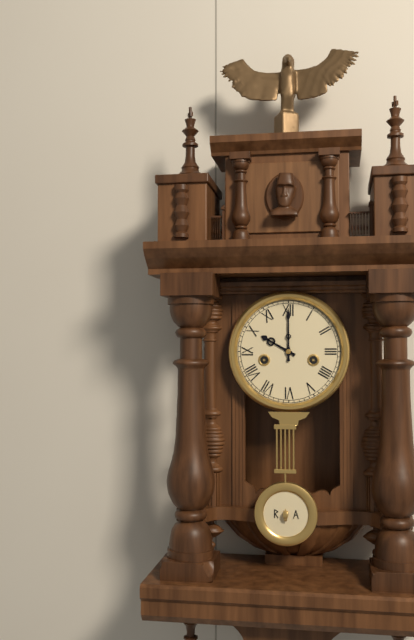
{"hour": 10, "minute": 0}
